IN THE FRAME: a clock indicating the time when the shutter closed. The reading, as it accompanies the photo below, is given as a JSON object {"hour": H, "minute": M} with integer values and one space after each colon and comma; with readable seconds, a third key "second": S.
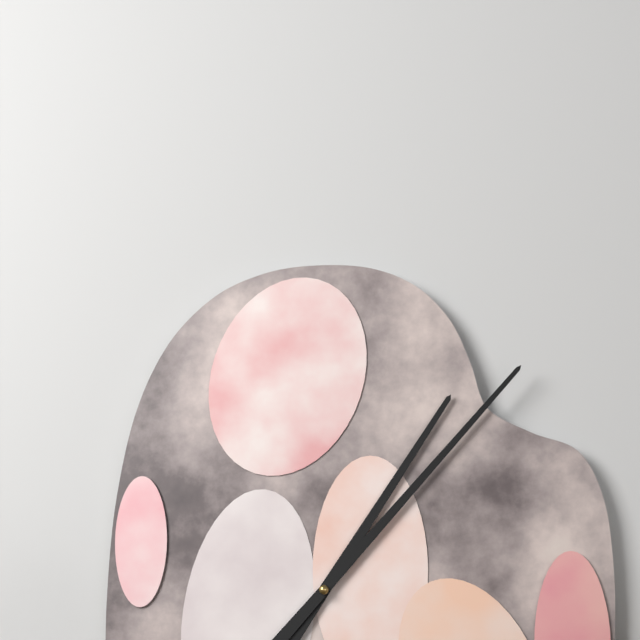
{"hour": 1, "minute": 7}
